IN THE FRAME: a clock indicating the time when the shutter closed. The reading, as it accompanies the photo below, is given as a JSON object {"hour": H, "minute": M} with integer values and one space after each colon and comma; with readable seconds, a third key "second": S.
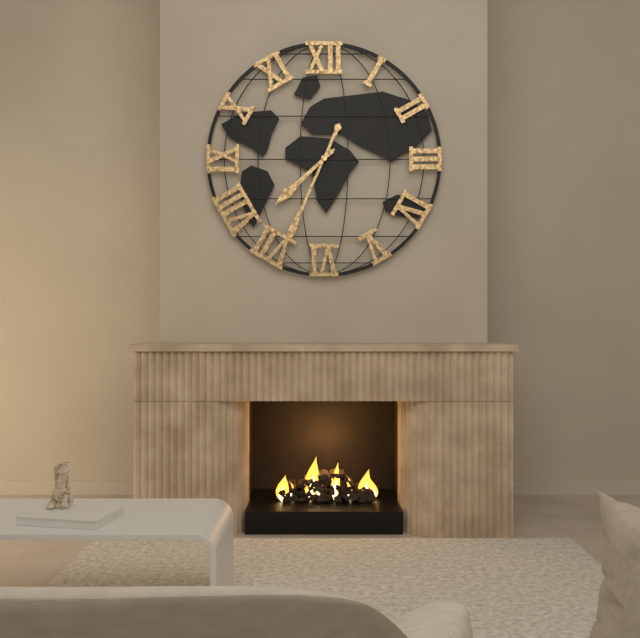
{"hour": 7, "minute": 34}
